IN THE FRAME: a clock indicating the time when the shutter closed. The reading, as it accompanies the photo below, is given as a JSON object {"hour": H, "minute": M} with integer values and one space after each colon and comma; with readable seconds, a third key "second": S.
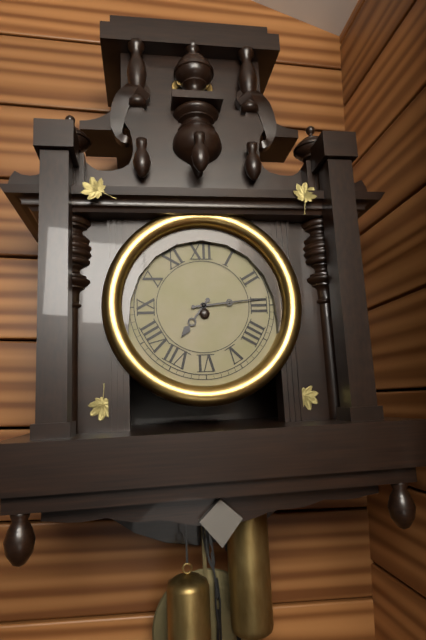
{"hour": 7, "minute": 14}
